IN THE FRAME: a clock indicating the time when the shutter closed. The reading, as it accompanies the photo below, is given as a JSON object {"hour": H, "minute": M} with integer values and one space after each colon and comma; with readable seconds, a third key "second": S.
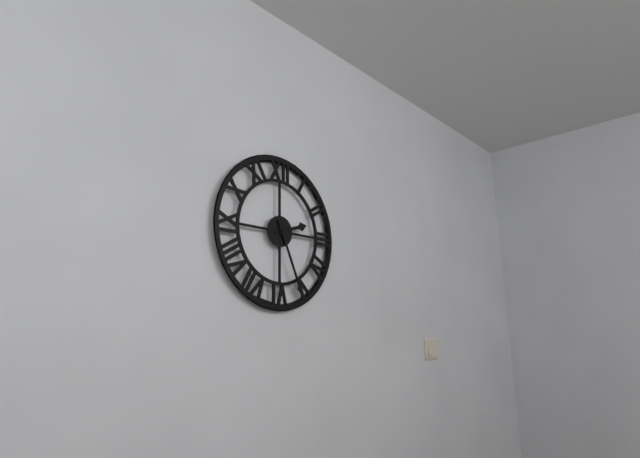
{"hour": 2, "minute": 26}
